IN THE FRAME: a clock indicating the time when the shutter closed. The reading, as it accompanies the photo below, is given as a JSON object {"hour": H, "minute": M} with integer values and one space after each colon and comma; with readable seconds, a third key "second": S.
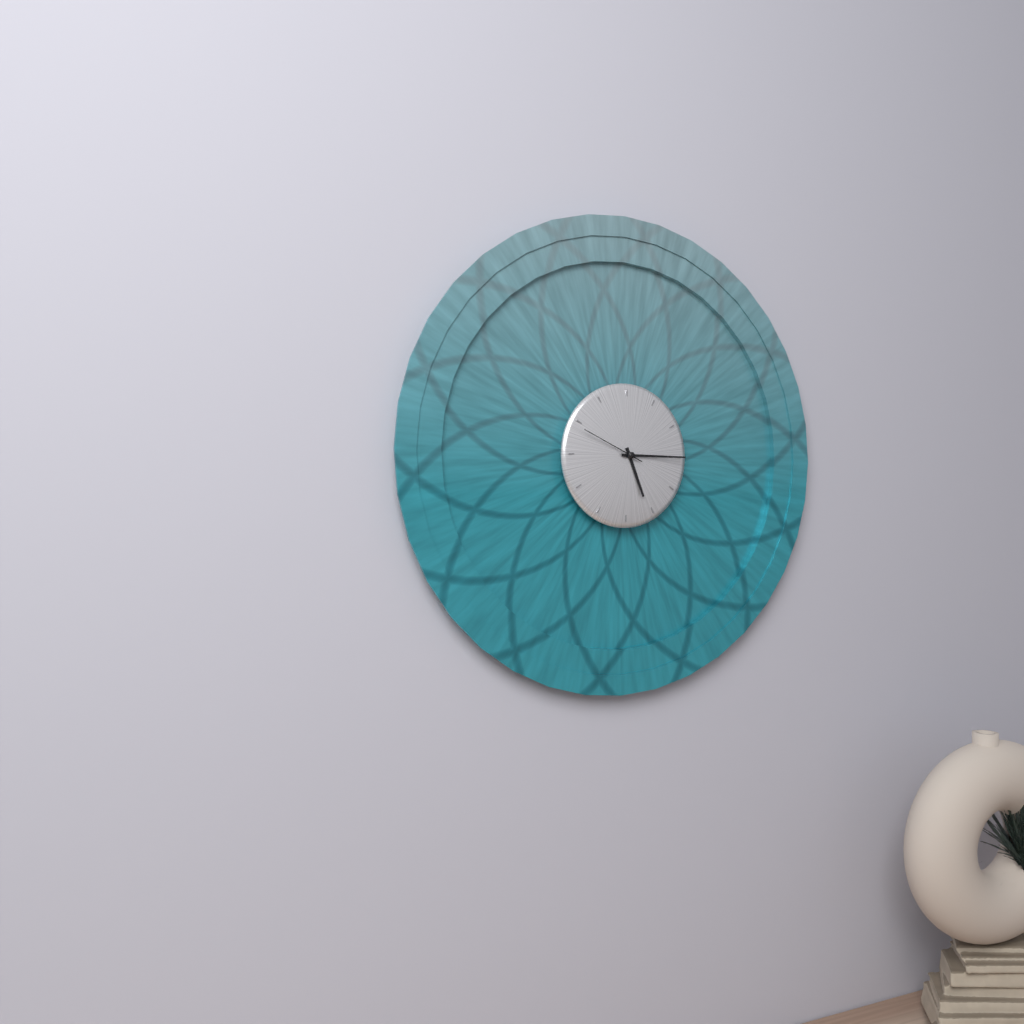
{"hour": 5, "minute": 15, "second": 49}
